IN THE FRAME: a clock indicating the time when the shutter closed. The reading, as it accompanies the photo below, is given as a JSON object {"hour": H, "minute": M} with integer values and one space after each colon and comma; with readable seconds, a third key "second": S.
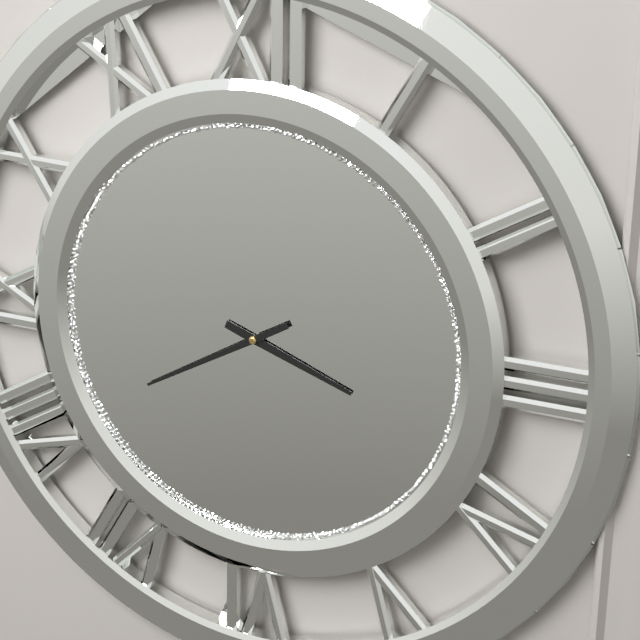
{"hour": 3, "minute": 40}
